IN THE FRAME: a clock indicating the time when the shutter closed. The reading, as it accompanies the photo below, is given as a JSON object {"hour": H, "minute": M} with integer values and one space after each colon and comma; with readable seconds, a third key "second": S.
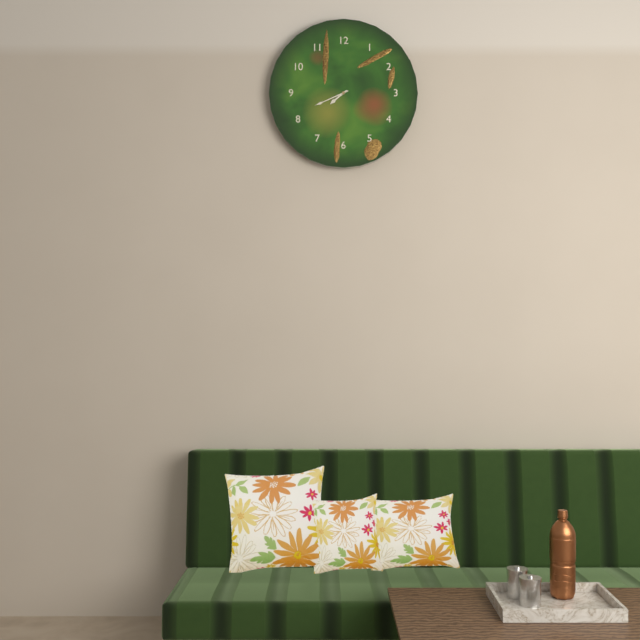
{"hour": 7, "minute": 41}
